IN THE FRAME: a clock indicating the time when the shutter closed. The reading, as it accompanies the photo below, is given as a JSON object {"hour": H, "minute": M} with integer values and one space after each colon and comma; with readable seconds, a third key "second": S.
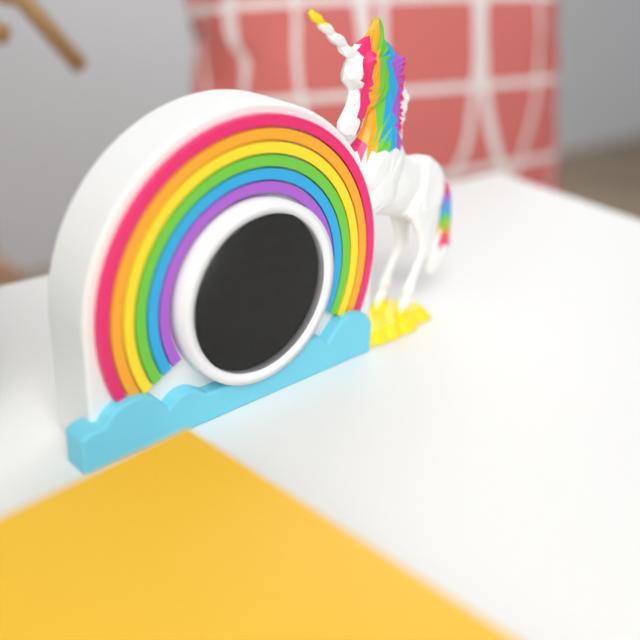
{"hour": 6, "minute": 53}
